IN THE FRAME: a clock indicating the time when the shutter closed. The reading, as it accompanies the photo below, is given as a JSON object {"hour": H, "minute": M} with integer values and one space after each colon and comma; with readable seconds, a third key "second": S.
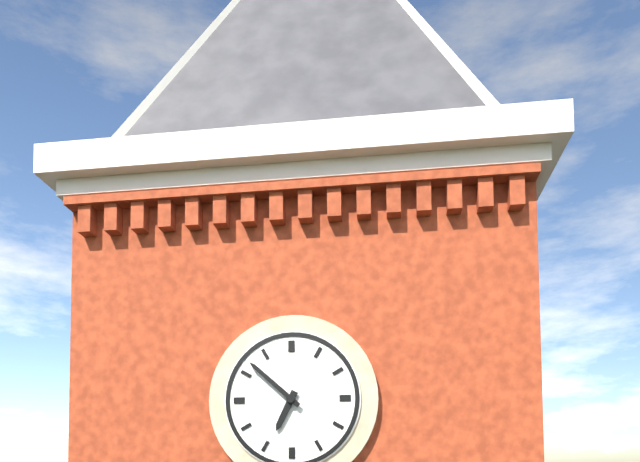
{"hour": 6, "minute": 52}
